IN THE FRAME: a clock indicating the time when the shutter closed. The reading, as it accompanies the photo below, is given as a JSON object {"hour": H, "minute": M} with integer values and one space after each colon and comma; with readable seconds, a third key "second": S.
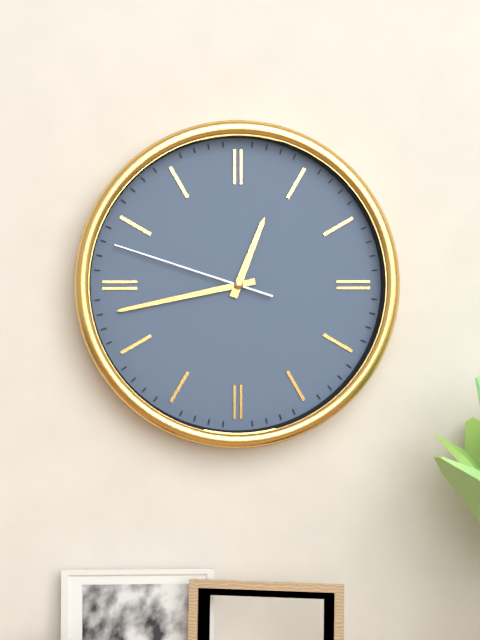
{"hour": 12, "minute": 43, "second": 48}
